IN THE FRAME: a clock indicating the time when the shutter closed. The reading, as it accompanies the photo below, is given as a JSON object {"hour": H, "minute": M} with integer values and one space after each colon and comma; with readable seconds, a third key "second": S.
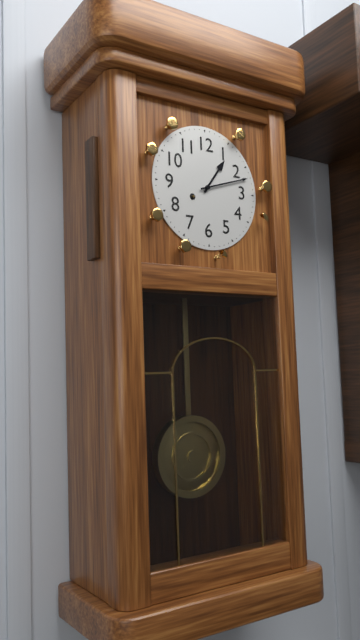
{"hour": 1, "minute": 12}
